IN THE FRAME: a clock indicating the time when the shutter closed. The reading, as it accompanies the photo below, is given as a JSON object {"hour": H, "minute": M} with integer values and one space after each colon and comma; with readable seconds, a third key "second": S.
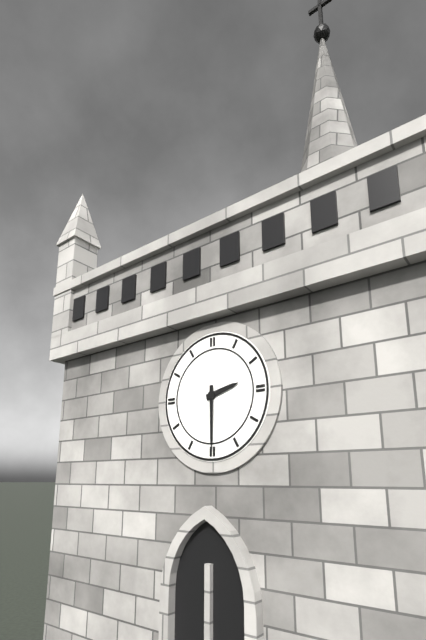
{"hour": 2, "minute": 30}
